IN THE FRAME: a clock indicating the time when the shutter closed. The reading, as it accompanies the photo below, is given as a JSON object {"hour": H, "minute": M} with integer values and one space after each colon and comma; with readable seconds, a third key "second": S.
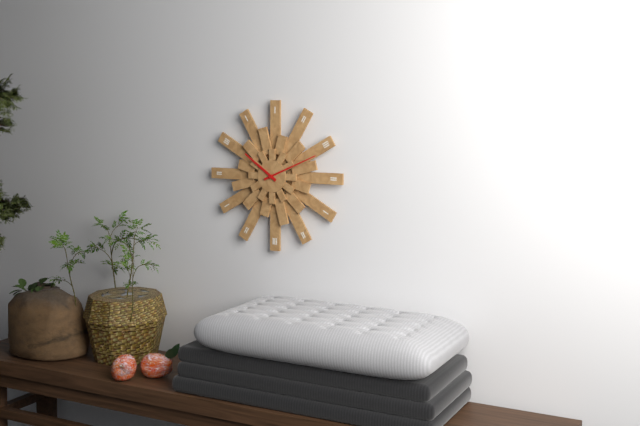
{"hour": 10, "minute": 11}
